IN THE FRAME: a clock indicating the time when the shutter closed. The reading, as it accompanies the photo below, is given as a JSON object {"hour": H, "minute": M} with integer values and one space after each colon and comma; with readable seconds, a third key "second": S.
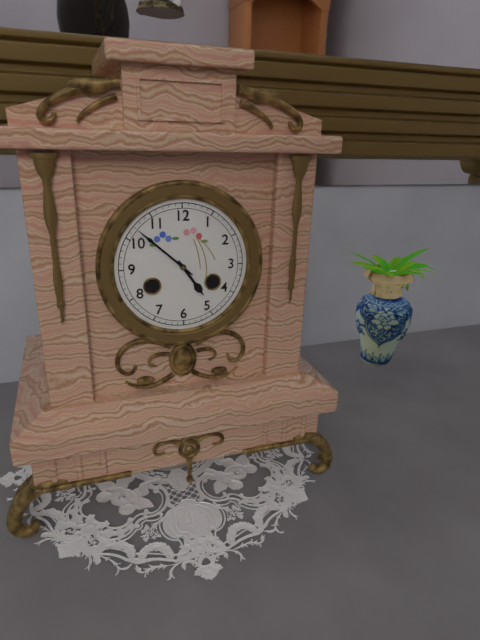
{"hour": 4, "minute": 52}
